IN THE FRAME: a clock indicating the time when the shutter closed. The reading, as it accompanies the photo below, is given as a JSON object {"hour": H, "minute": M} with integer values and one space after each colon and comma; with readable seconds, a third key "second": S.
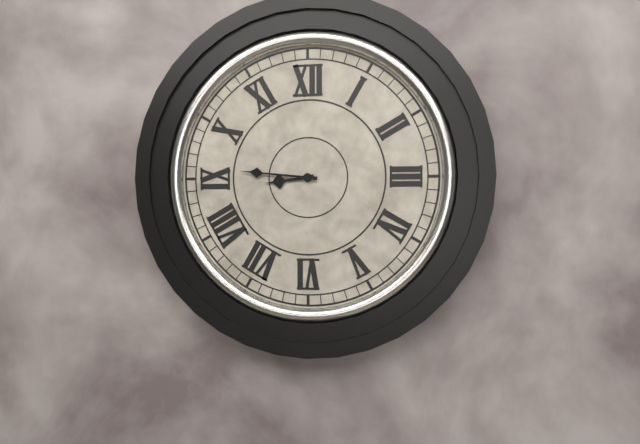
{"hour": 8, "minute": 46}
